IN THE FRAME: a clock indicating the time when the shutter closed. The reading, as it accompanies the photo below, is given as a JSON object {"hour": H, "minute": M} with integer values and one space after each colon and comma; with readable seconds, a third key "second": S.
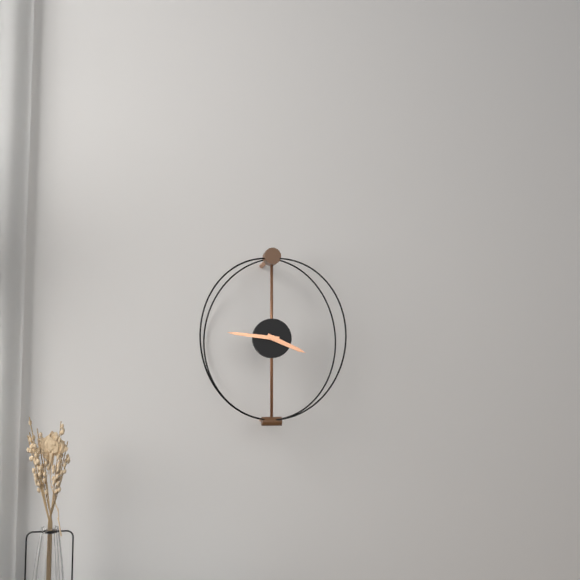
{"hour": 3, "minute": 46}
